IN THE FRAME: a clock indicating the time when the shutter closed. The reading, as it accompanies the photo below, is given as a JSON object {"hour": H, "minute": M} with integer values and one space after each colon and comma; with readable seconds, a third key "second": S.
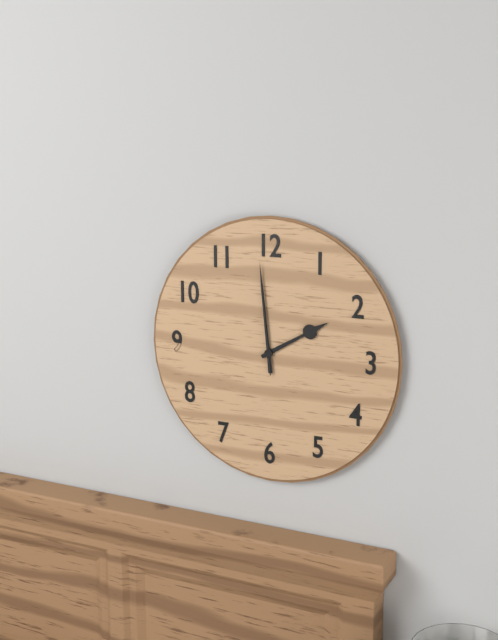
{"hour": 1, "minute": 59, "second": 59}
